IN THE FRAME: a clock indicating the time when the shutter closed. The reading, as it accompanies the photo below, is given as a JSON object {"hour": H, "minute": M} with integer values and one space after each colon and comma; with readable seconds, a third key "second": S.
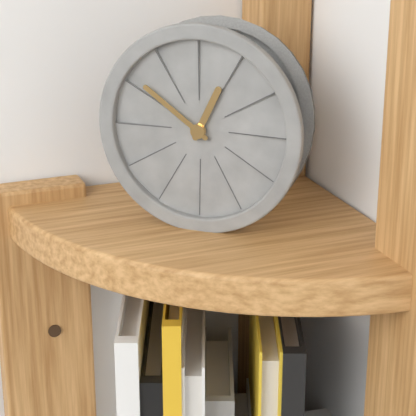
{"hour": 12, "minute": 51}
